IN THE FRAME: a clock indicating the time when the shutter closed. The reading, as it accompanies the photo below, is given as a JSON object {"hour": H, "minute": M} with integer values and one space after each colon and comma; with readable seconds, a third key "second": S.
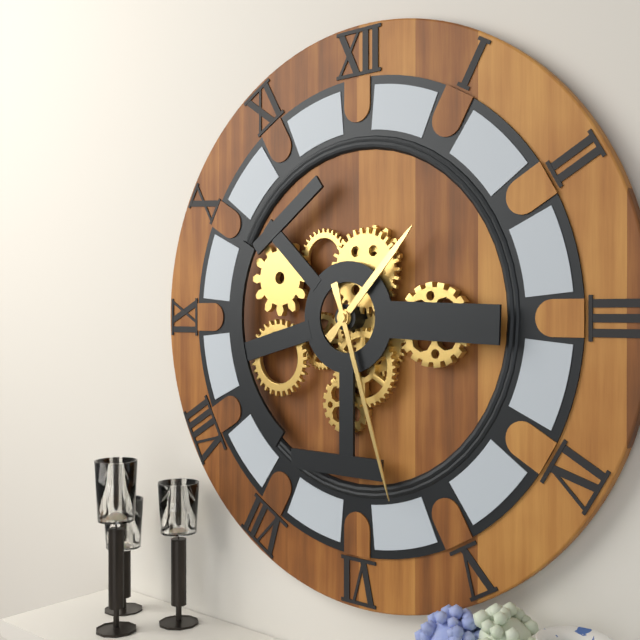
{"hour": 1, "minute": 27}
